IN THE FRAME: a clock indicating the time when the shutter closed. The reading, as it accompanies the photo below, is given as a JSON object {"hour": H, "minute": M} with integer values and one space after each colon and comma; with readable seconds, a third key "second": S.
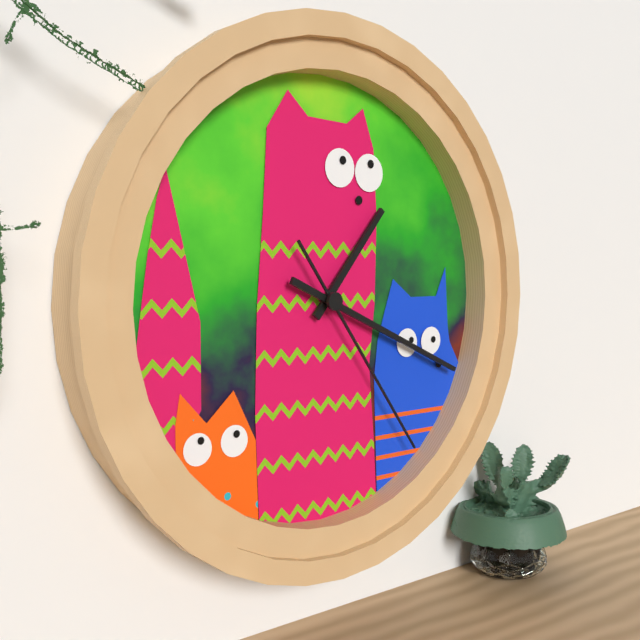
{"hour": 1, "minute": 19, "second": 24}
